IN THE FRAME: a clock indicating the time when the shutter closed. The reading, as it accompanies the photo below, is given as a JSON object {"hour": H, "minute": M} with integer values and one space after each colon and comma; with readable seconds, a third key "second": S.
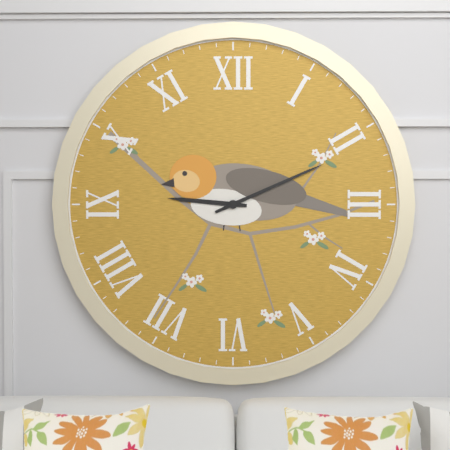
{"hour": 9, "minute": 11}
